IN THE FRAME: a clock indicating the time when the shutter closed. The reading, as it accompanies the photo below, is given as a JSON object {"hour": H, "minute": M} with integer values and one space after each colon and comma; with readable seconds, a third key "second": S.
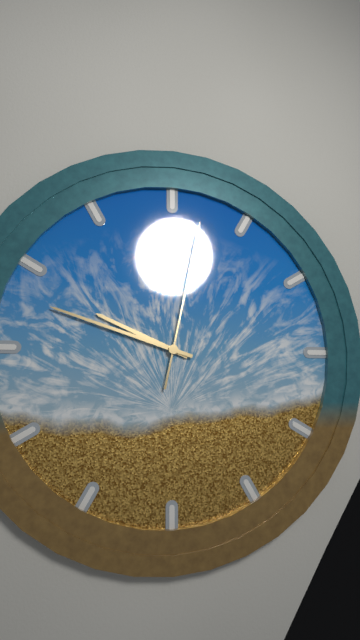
{"hour": 9, "minute": 48, "second": 2}
